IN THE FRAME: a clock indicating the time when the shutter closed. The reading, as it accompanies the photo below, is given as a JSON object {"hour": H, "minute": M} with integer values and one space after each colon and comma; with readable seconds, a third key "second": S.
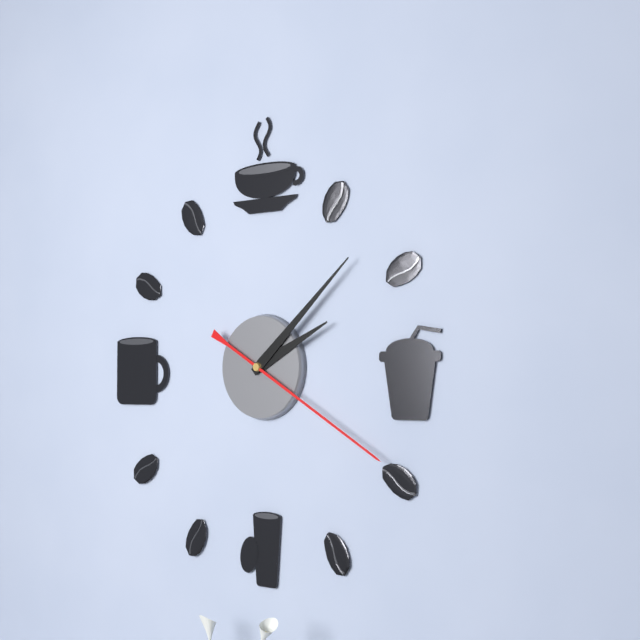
{"hour": 2, "minute": 8, "second": 20}
